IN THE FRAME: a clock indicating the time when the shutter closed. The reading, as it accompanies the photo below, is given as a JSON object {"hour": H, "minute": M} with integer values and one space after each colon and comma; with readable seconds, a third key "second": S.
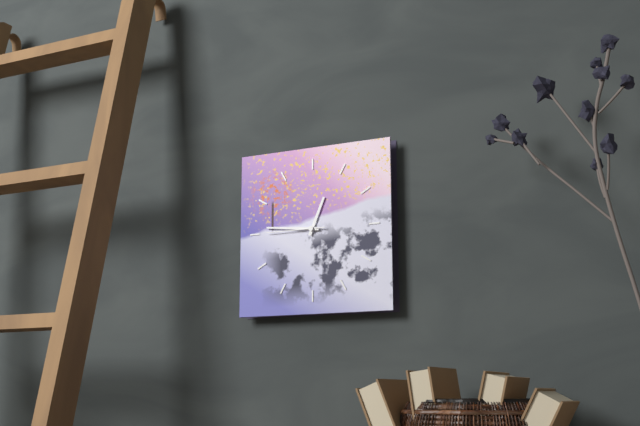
{"hour": 12, "minute": 46, "second": 45}
